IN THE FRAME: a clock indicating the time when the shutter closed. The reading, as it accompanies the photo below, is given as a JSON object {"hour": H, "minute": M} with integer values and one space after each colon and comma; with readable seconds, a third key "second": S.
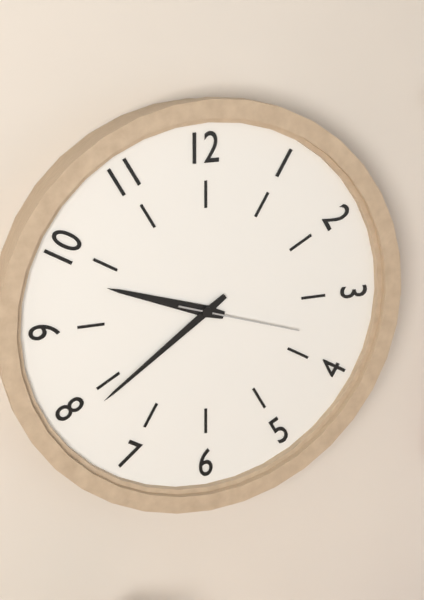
{"hour": 9, "minute": 39, "second": 18}
